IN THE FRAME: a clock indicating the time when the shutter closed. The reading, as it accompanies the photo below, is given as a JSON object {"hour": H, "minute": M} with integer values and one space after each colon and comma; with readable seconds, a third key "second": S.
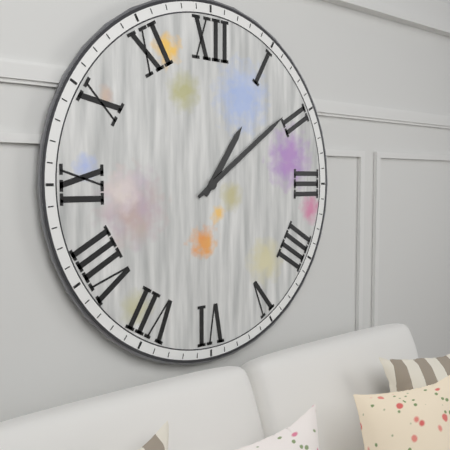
{"hour": 1, "minute": 9}
